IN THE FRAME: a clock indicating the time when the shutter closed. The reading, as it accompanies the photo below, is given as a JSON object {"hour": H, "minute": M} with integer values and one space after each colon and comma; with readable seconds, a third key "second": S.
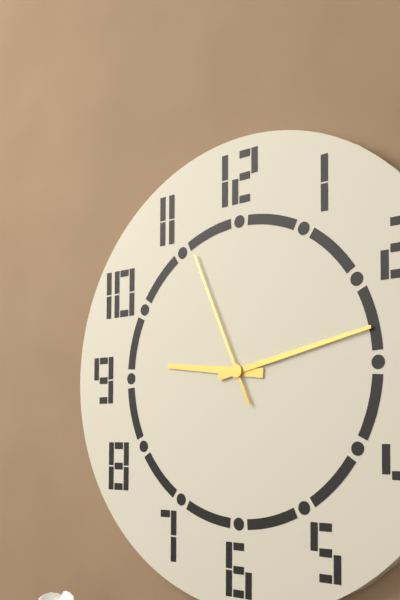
{"hour": 9, "minute": 13, "second": 56}
